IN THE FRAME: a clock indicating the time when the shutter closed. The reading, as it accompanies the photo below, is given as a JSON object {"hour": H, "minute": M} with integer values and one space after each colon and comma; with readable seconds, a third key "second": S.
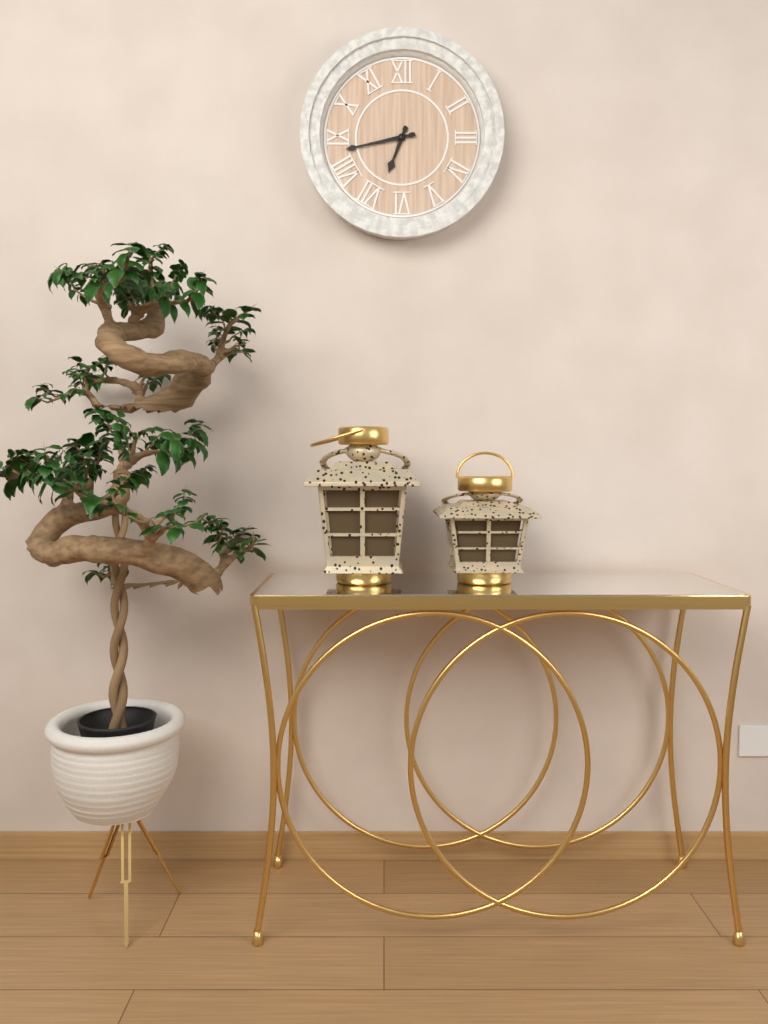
{"hour": 6, "minute": 43}
